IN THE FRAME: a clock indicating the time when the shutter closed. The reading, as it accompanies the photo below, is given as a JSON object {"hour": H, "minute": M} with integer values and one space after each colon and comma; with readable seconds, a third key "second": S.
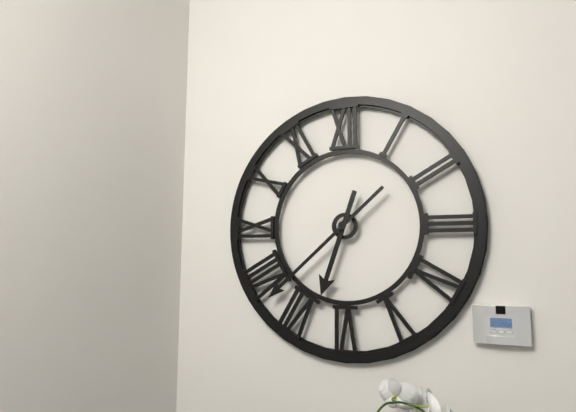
{"hour": 6, "minute": 38}
